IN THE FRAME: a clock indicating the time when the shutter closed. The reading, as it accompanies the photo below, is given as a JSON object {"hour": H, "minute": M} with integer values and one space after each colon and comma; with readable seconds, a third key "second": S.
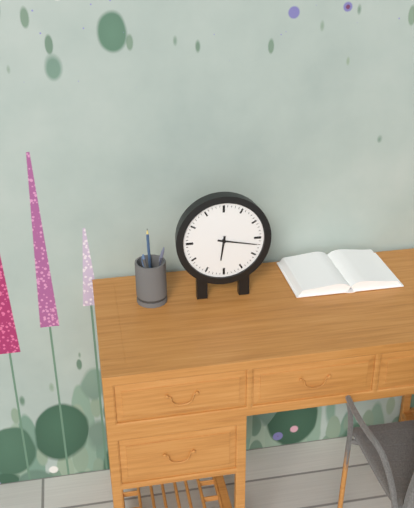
{"hour": 6, "minute": 17}
